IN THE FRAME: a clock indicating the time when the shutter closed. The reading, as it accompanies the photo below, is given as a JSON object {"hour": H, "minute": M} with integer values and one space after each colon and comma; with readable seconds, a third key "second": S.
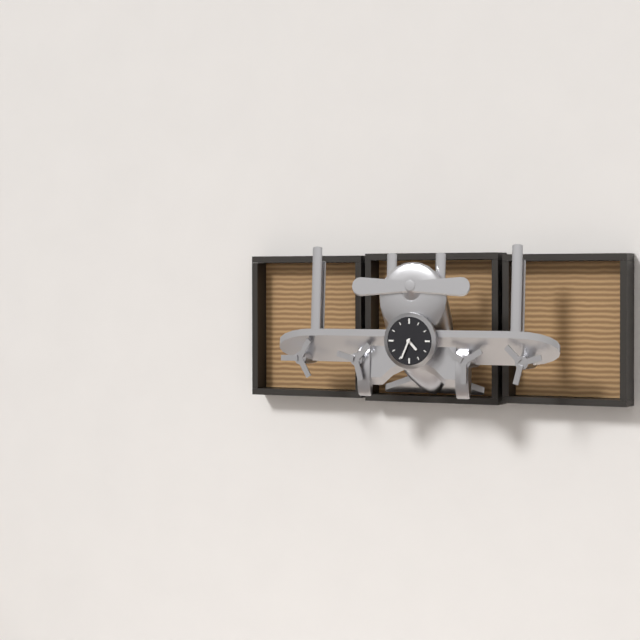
{"hour": 4, "minute": 34}
